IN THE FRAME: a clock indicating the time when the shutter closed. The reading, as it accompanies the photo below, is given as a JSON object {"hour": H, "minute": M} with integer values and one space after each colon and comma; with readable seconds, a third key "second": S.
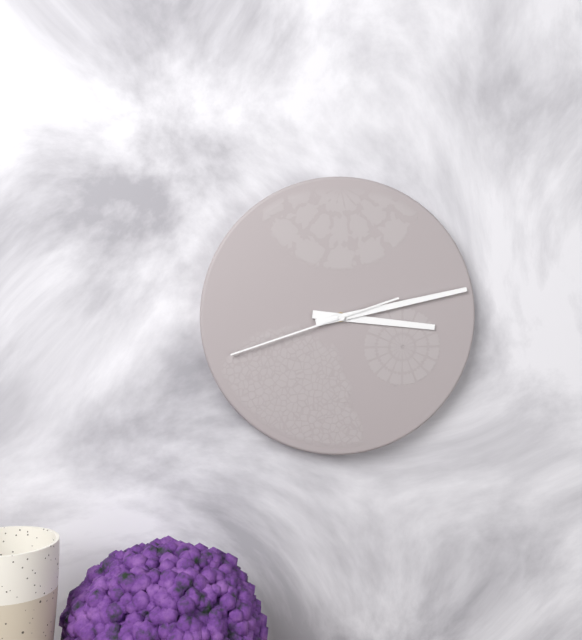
{"hour": 3, "minute": 13, "second": 42}
